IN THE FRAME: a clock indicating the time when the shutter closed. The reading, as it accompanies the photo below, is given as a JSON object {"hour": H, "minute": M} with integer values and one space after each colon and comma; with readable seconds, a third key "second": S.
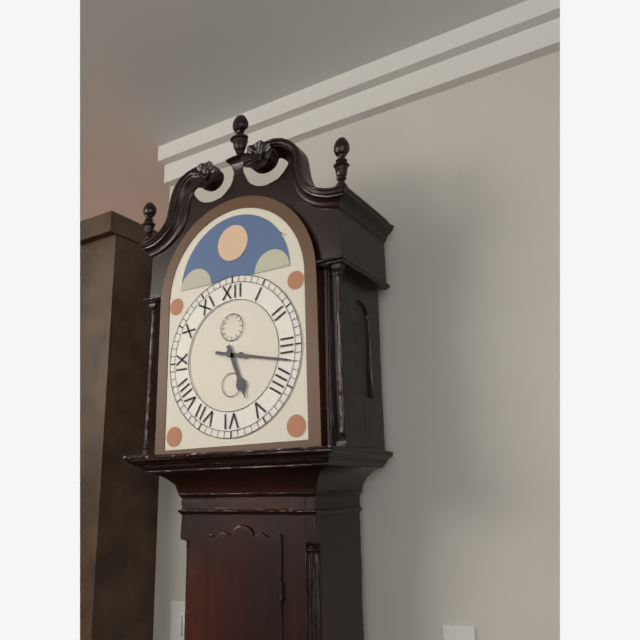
{"hour": 5, "minute": 17}
